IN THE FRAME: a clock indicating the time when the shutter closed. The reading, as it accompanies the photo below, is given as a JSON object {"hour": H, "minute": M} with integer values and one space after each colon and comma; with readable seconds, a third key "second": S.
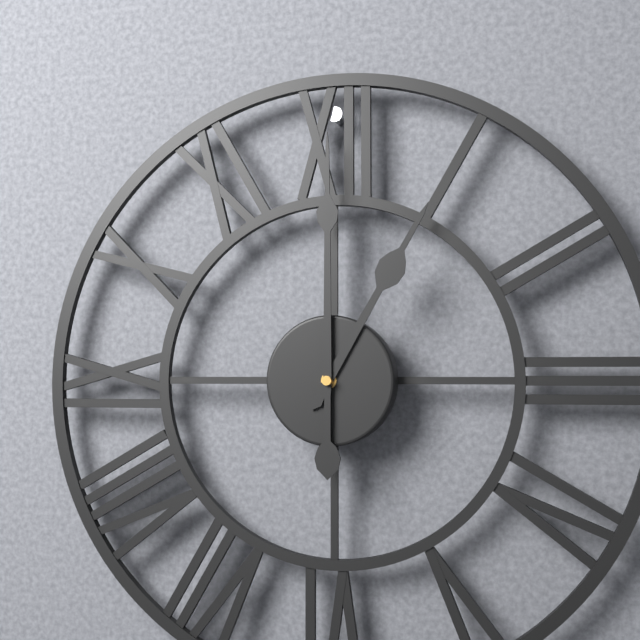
{"hour": 1, "minute": 0}
